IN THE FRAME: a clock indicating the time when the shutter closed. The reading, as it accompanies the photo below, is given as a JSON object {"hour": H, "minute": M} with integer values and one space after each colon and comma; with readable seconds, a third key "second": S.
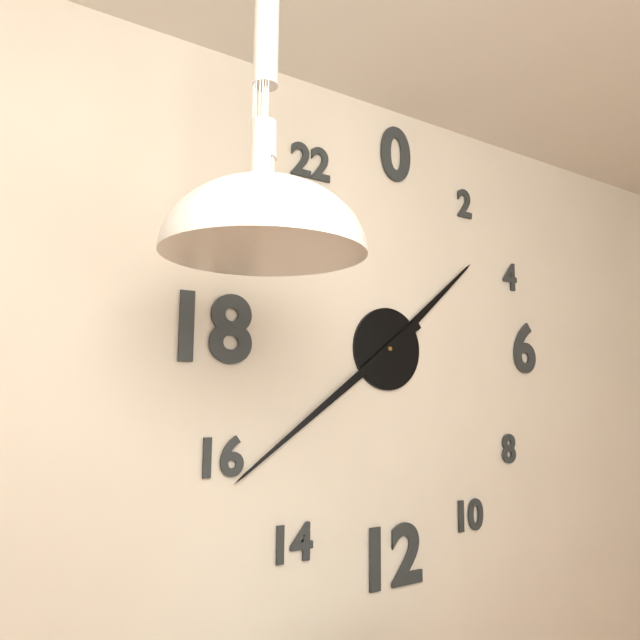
{"hour": 1, "minute": 39}
